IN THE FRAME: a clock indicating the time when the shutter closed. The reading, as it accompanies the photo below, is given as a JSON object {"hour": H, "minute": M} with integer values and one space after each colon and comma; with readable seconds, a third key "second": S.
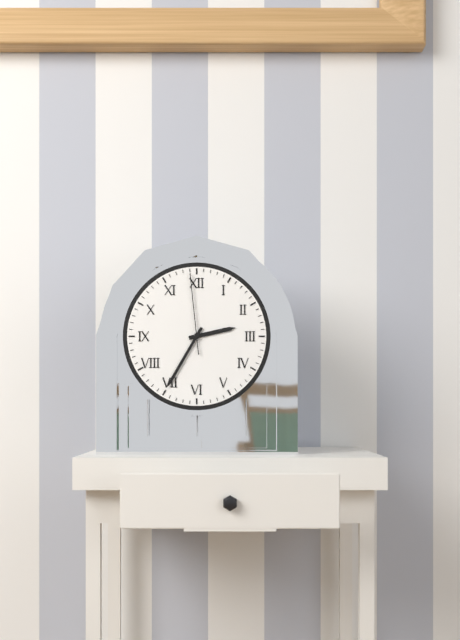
{"hour": 2, "minute": 35, "second": 59}
